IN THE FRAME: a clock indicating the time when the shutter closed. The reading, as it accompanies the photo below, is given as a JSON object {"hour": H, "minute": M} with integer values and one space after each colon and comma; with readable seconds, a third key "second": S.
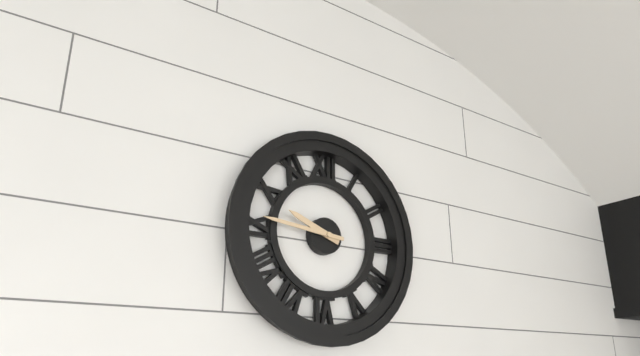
{"hour": 9, "minute": 46}
